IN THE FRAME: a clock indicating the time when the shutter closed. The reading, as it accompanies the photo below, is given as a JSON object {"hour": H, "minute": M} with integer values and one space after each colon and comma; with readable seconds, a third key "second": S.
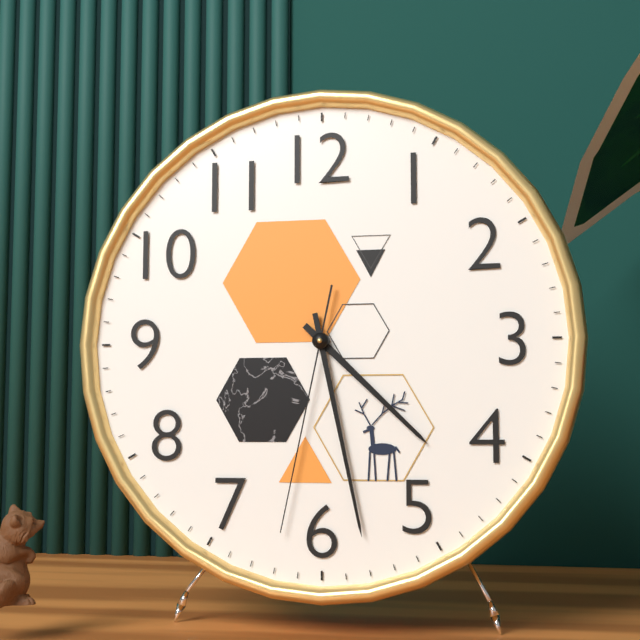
{"hour": 4, "minute": 28, "second": 32}
